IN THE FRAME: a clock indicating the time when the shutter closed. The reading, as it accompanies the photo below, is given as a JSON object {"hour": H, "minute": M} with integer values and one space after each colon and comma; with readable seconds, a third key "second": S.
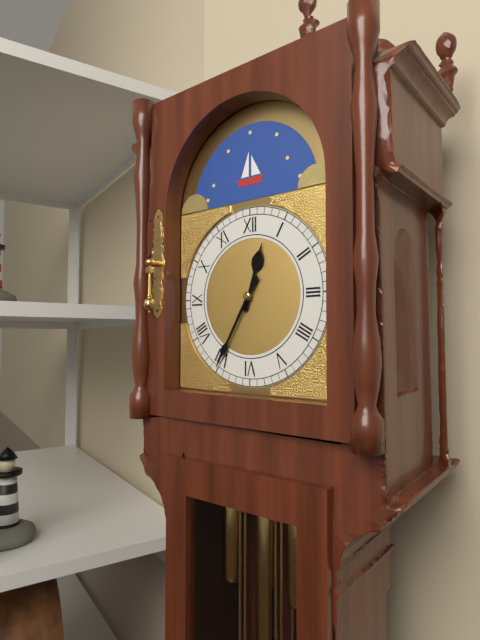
{"hour": 12, "minute": 35}
